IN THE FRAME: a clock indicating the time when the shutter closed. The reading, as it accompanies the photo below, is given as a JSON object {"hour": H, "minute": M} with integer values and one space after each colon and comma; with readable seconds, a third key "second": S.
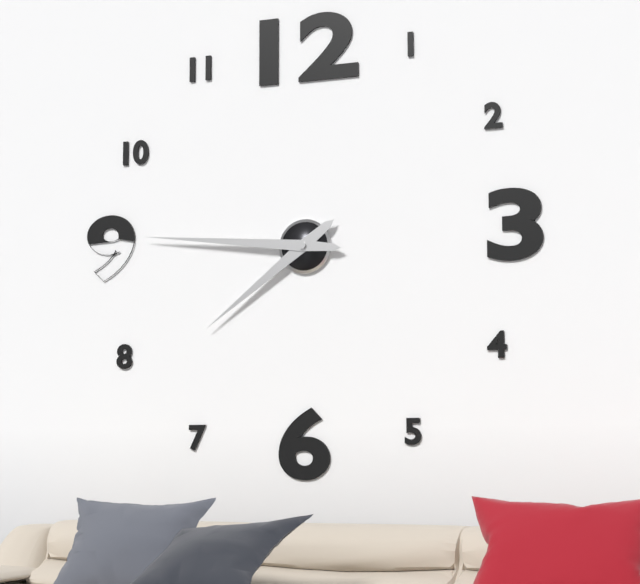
{"hour": 7, "minute": 46}
